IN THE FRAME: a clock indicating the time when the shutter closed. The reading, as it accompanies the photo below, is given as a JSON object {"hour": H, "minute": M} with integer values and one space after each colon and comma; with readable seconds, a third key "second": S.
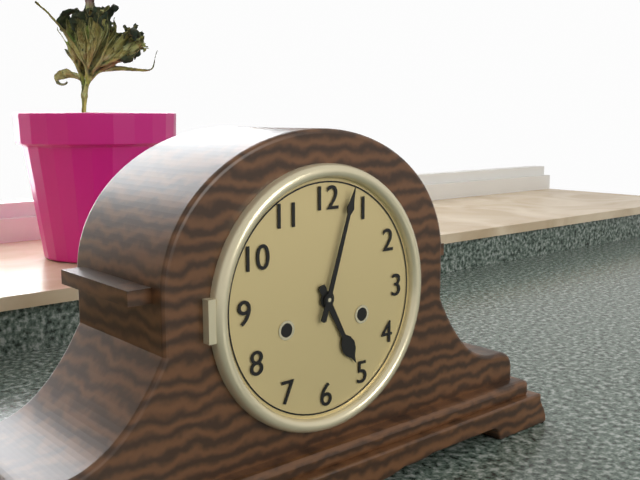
{"hour": 5, "minute": 3}
